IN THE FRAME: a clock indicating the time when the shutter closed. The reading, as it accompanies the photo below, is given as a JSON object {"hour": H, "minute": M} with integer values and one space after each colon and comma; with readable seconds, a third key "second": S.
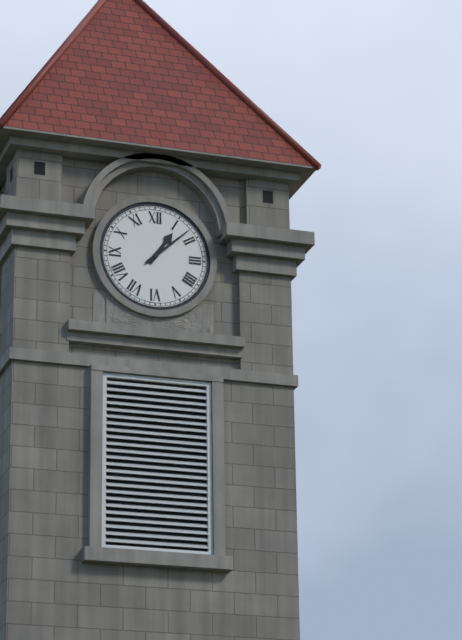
{"hour": 1, "minute": 8}
